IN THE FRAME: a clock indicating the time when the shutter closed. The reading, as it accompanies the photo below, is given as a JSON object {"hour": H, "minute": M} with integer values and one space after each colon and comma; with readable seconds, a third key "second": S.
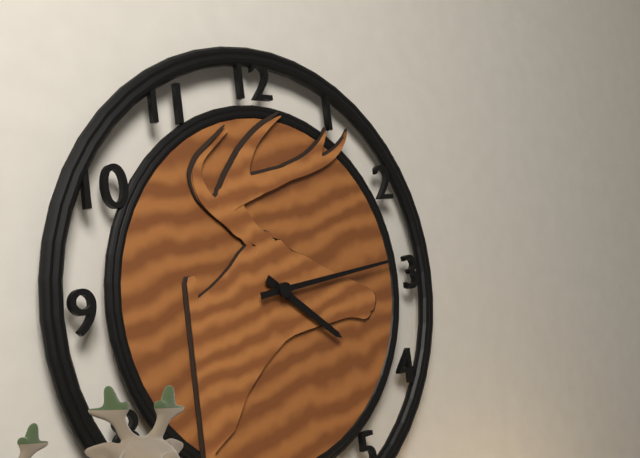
{"hour": 4, "minute": 14}
